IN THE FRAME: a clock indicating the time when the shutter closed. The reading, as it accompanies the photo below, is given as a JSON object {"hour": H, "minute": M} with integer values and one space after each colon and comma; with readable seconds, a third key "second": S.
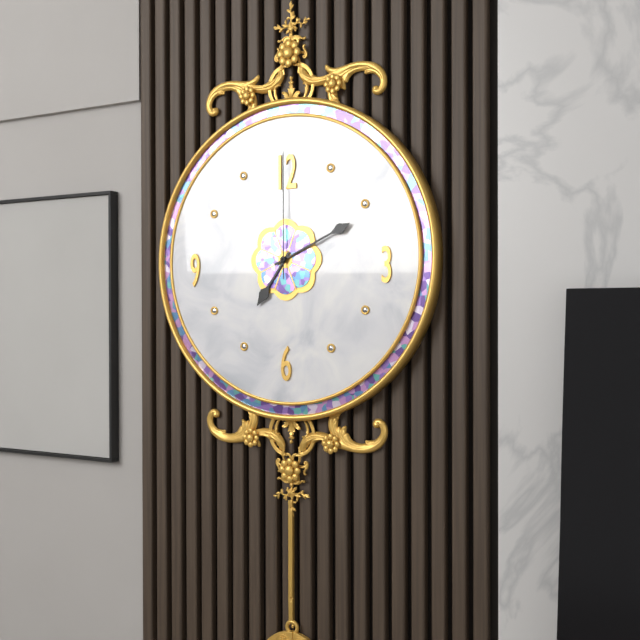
{"hour": 7, "minute": 11, "second": 0}
